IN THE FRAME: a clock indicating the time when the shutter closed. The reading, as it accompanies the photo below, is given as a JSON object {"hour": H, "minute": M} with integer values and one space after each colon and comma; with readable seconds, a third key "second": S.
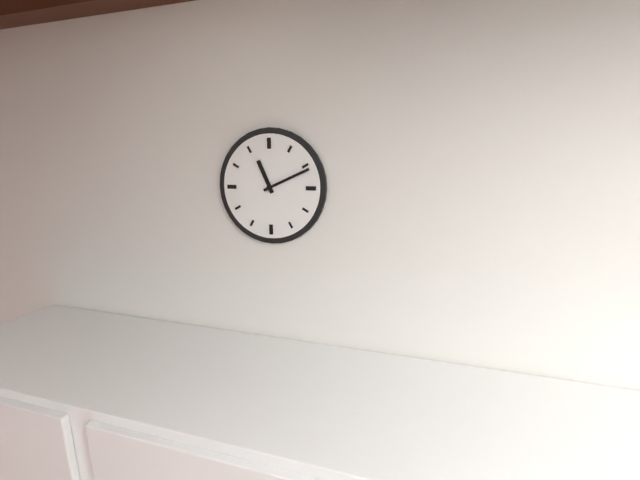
{"hour": 11, "minute": 11}
